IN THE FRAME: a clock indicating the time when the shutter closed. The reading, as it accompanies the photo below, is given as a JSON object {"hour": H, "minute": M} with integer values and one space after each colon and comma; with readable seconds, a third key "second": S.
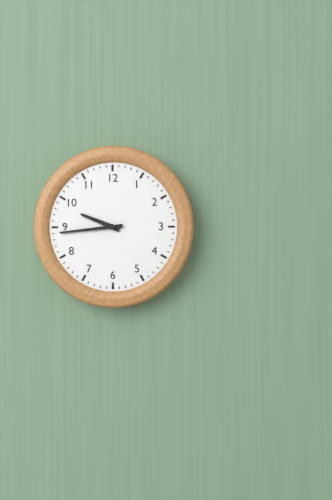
{"hour": 9, "minute": 44}
